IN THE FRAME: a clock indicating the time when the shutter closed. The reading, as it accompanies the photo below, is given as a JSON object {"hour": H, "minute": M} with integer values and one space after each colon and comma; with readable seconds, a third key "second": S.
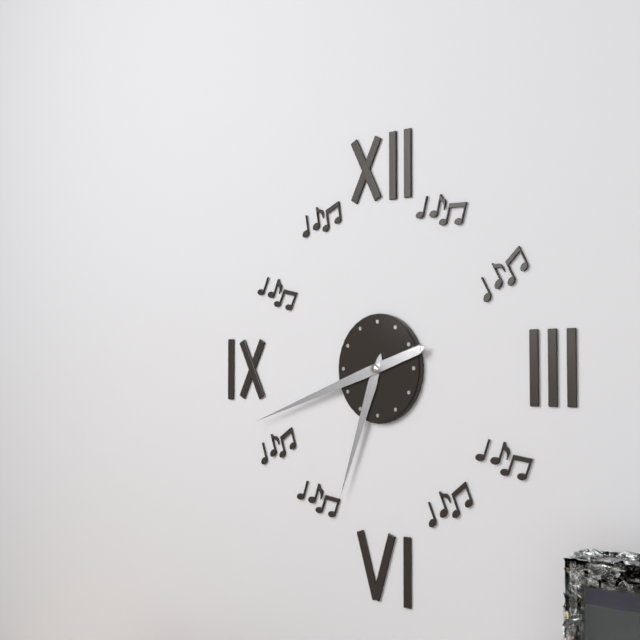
{"hour": 6, "minute": 42}
